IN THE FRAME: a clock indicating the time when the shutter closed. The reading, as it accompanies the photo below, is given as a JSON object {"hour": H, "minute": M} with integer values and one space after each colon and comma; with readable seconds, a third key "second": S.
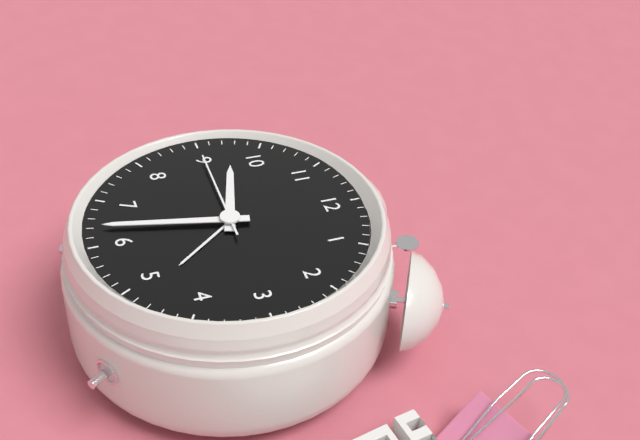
{"hour": 9, "minute": 32, "second": 45}
